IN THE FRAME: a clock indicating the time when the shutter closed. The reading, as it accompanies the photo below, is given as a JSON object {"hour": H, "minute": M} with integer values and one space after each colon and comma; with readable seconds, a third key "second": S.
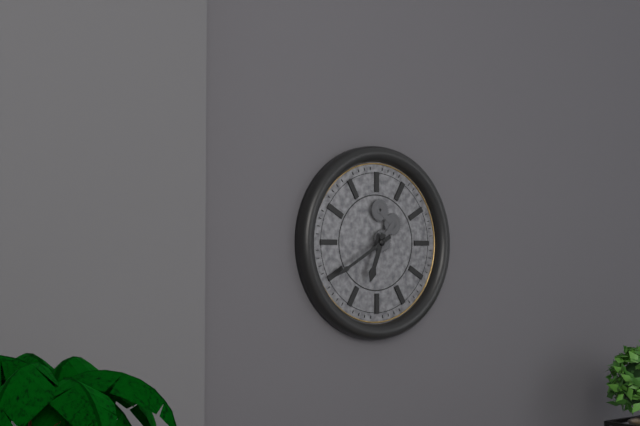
{"hour": 6, "minute": 40}
